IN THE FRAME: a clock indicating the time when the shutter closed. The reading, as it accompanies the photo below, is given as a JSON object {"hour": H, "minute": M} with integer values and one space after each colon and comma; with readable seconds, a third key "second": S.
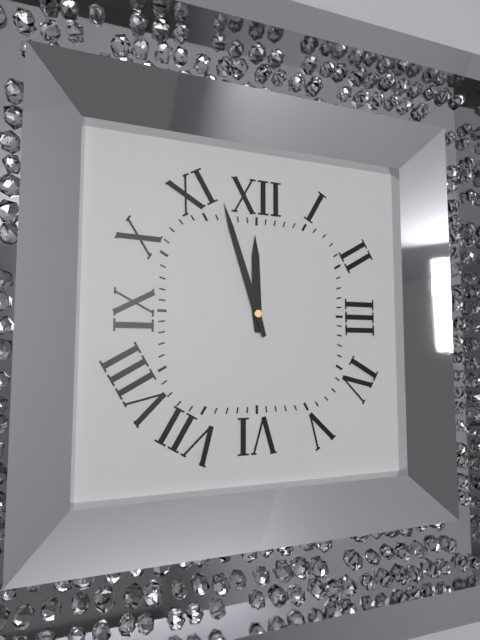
{"hour": 11, "minute": 57}
